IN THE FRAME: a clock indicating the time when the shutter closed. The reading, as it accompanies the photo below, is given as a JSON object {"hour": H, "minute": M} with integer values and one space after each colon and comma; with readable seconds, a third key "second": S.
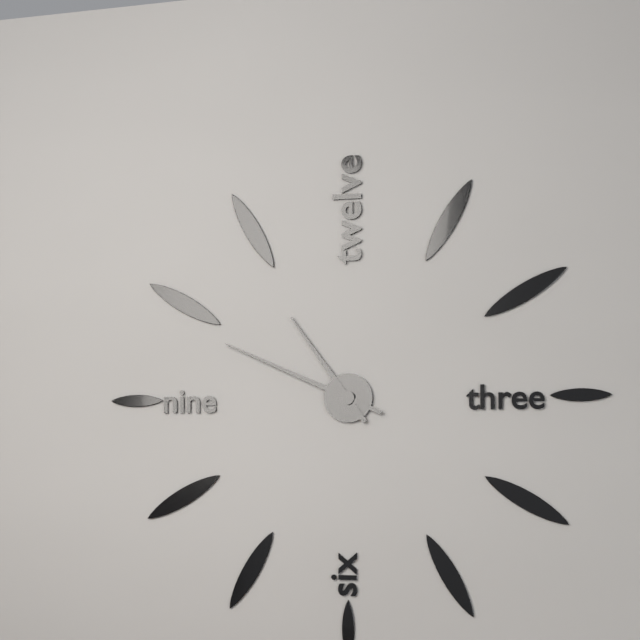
{"hour": 10, "minute": 49}
